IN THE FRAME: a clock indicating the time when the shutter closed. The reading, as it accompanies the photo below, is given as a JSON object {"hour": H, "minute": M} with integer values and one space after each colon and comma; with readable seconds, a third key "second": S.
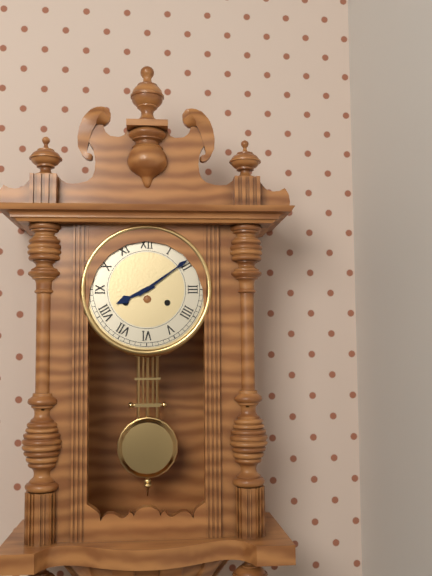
{"hour": 8, "minute": 9}
